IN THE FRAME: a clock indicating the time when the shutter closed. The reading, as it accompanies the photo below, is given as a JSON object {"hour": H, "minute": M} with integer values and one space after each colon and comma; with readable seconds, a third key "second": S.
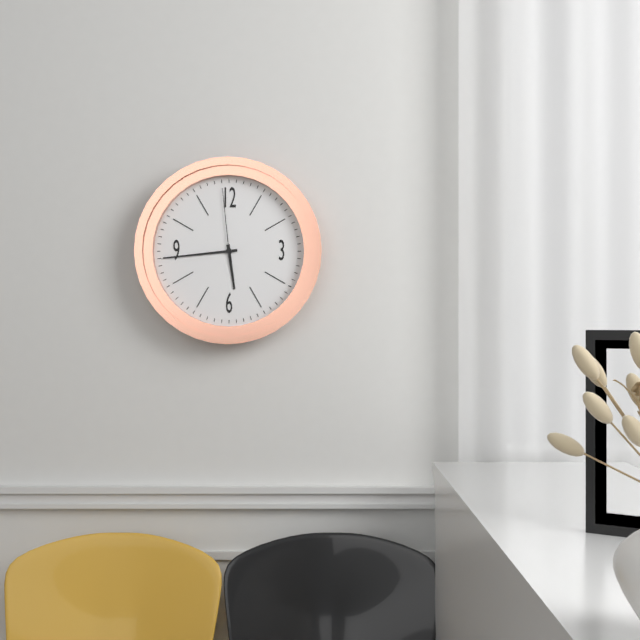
{"hour": 5, "minute": 44, "second": 59}
